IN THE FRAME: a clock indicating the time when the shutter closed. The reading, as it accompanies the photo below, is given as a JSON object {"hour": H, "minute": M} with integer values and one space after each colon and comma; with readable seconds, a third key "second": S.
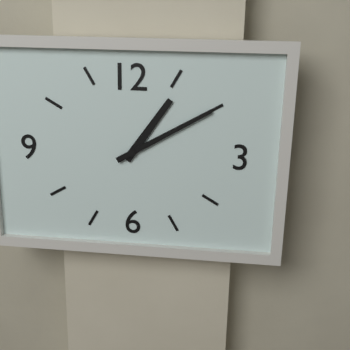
{"hour": 1, "minute": 10}
